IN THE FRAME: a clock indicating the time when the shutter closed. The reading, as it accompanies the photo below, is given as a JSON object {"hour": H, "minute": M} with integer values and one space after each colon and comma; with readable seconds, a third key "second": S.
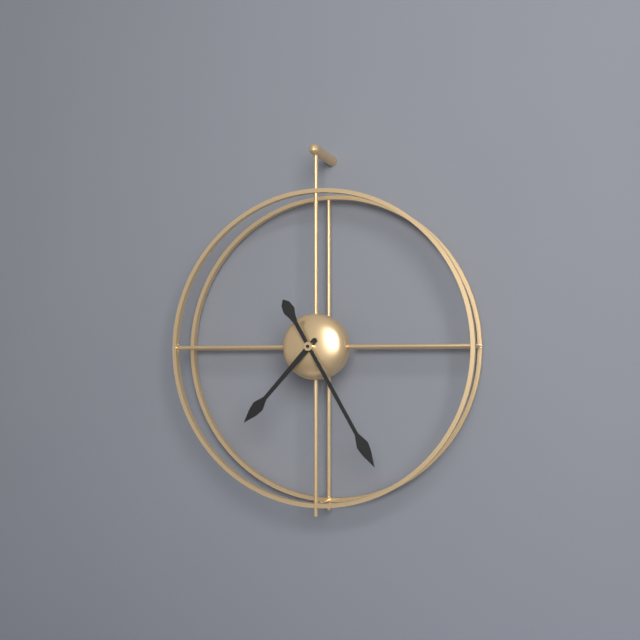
{"hour": 7, "minute": 25}
